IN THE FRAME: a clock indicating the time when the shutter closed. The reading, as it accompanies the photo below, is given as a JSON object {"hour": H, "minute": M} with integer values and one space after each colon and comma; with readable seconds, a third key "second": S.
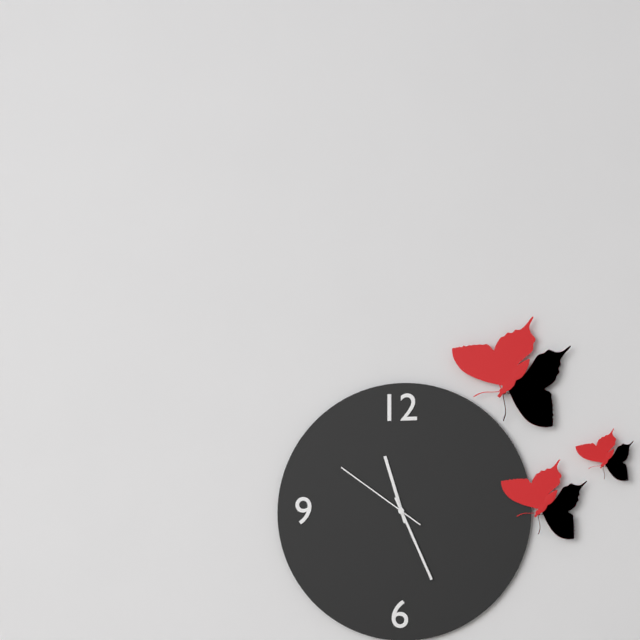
{"hour": 11, "minute": 26, "second": 51}
